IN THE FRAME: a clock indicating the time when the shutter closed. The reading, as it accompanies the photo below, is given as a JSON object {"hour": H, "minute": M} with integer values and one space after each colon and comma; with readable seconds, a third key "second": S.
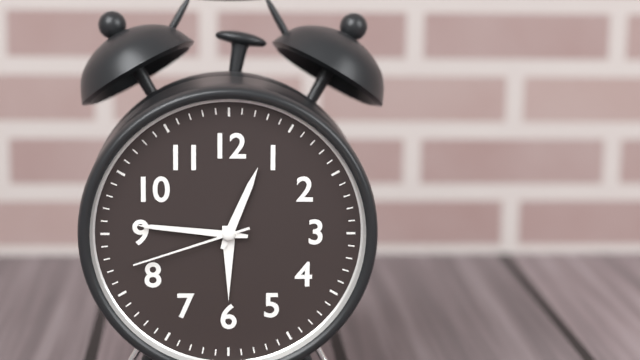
{"hour": 12, "minute": 46, "second": 42}
